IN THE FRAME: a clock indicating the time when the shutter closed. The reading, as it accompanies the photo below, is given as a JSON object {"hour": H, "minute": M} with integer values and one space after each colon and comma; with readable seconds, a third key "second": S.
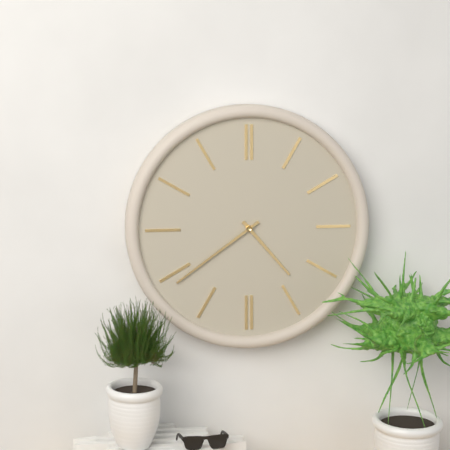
{"hour": 4, "minute": 39}
